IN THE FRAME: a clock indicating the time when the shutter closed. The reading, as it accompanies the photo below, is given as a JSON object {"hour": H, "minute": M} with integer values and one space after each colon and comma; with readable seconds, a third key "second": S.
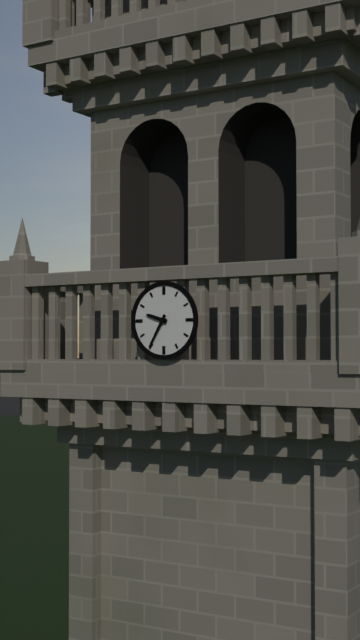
{"hour": 9, "minute": 35}
